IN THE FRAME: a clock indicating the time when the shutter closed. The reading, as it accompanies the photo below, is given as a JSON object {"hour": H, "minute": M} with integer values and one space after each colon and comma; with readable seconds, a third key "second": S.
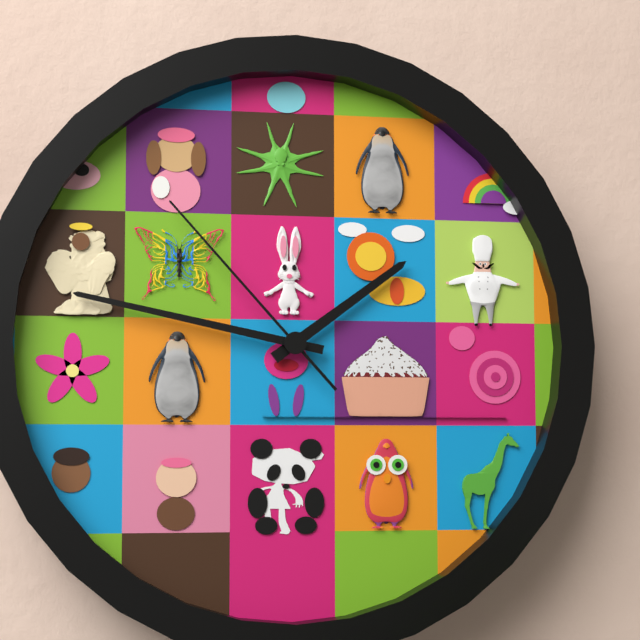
{"hour": 1, "minute": 47, "second": 53}
